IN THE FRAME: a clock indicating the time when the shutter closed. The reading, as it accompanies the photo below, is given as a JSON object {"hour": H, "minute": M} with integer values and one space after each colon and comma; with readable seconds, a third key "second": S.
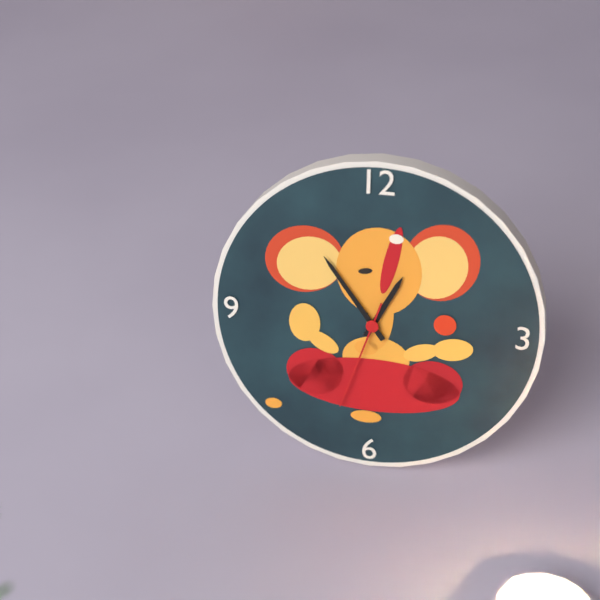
{"hour": 12, "minute": 54, "second": 33}
